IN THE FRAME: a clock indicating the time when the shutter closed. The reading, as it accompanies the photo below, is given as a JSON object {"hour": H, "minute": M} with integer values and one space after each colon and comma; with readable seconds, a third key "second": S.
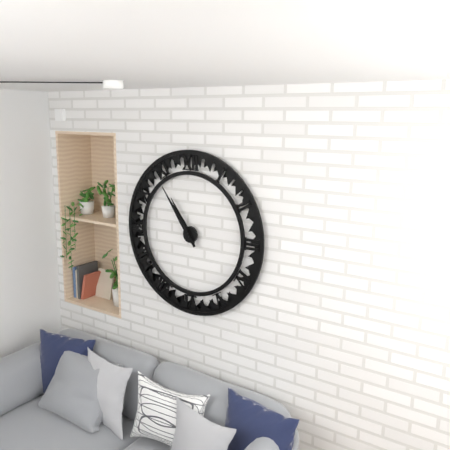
{"hour": 10, "minute": 54}
